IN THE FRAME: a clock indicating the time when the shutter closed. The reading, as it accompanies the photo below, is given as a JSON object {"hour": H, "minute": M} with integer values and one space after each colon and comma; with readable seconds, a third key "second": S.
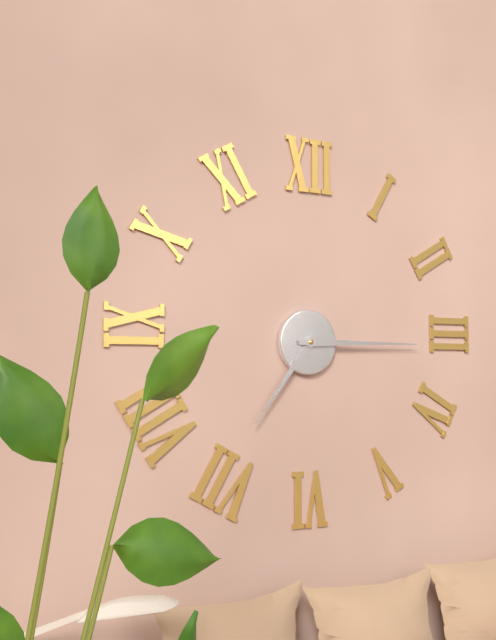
{"hour": 7, "minute": 15}
